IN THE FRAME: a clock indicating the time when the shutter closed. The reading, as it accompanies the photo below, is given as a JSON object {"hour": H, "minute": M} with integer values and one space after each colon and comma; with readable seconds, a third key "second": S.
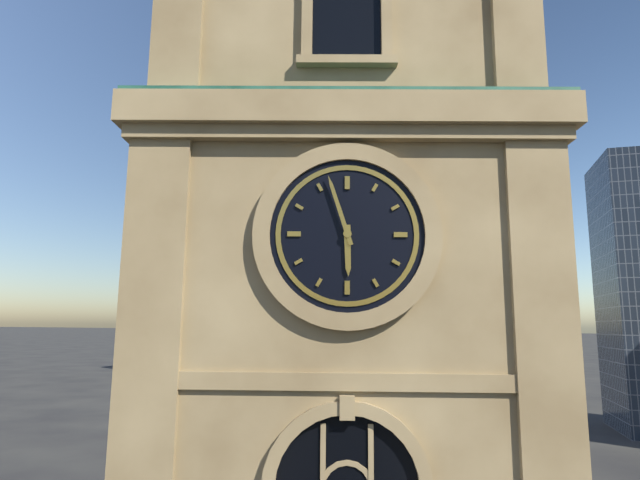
{"hour": 5, "minute": 57}
